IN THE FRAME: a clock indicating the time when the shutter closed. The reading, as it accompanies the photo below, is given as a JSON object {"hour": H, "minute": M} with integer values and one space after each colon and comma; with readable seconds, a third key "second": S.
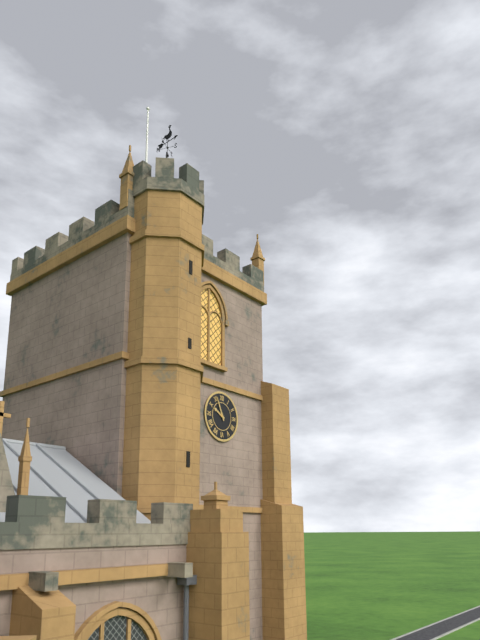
{"hour": 9, "minute": 56}
